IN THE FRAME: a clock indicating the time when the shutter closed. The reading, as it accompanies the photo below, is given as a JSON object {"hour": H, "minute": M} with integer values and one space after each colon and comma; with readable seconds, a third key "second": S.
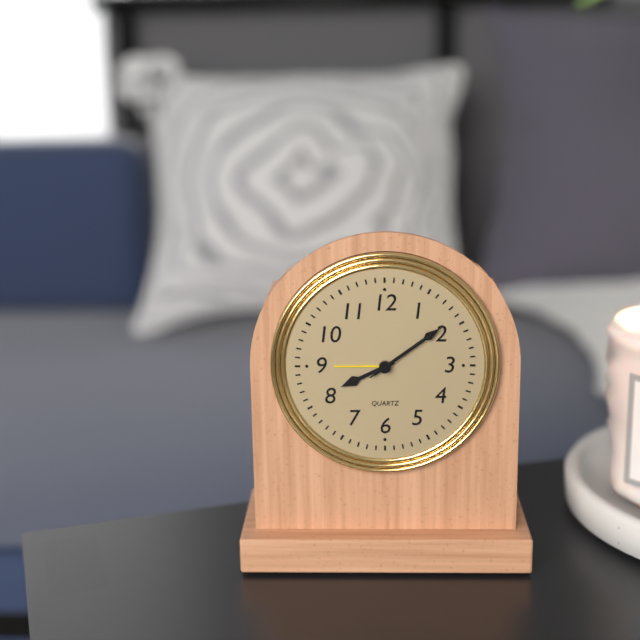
{"hour": 8, "minute": 9, "second": 9}
